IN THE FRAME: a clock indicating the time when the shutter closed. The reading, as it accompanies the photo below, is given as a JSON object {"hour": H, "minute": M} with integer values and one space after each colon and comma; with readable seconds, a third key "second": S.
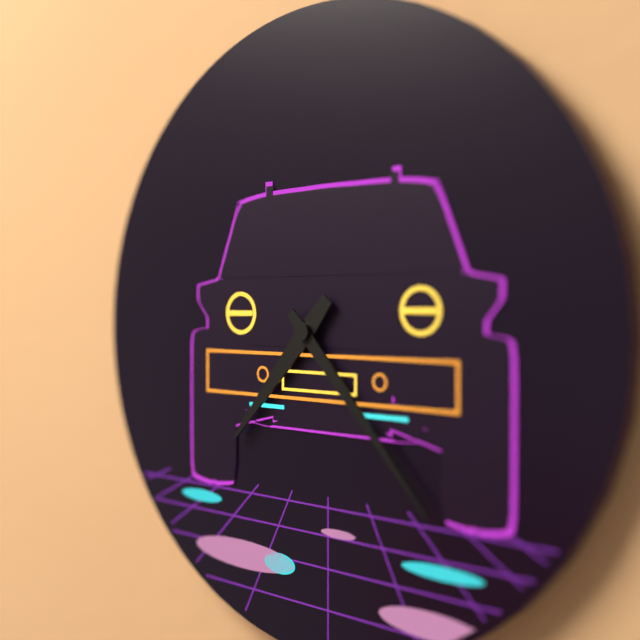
{"hour": 7, "minute": 23}
